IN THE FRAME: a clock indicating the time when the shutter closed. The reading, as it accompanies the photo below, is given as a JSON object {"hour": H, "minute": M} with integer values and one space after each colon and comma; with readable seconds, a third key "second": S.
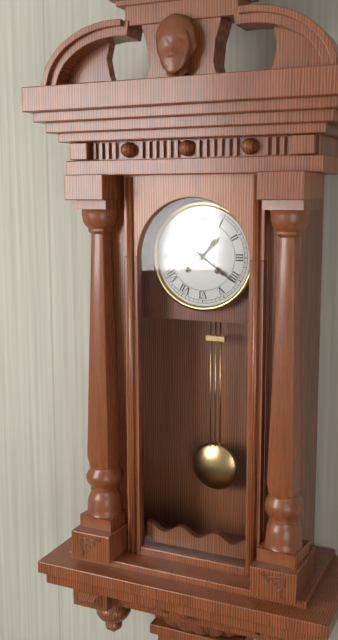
{"hour": 1, "minute": 21}
